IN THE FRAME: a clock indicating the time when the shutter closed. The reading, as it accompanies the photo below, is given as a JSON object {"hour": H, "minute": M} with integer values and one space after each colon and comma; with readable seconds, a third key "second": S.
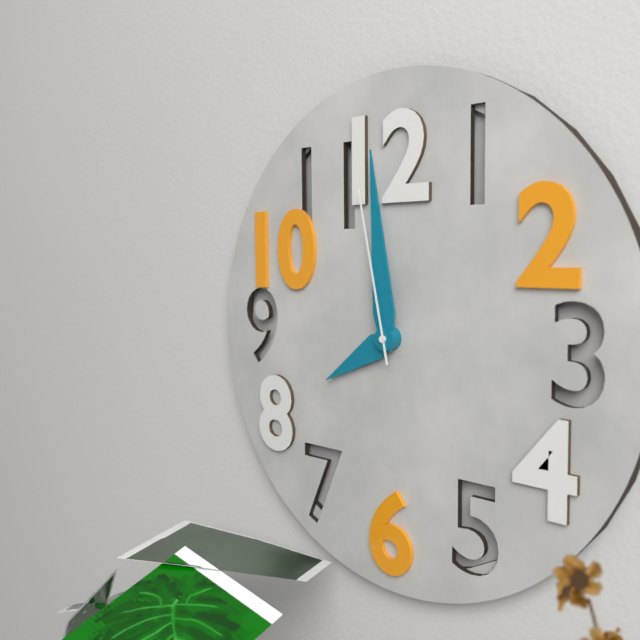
{"hour": 7, "minute": 59, "second": 58}
